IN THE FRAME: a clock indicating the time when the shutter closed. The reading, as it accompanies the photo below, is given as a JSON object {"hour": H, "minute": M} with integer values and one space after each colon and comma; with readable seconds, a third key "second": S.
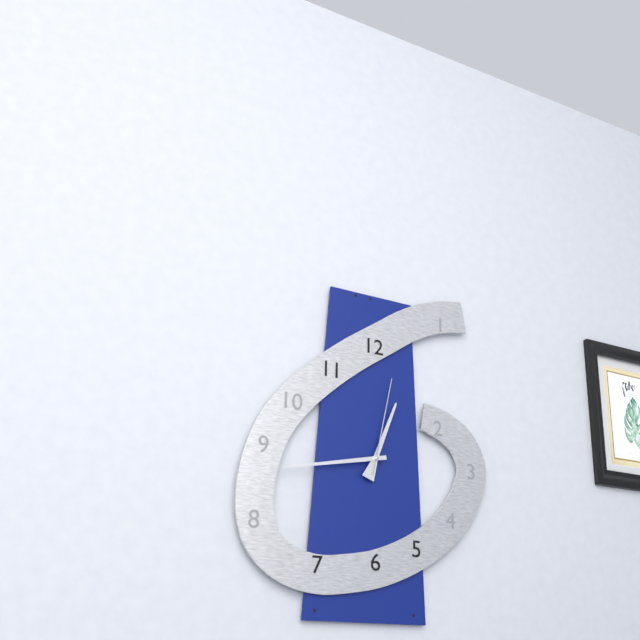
{"hour": 12, "minute": 43, "second": 2}
